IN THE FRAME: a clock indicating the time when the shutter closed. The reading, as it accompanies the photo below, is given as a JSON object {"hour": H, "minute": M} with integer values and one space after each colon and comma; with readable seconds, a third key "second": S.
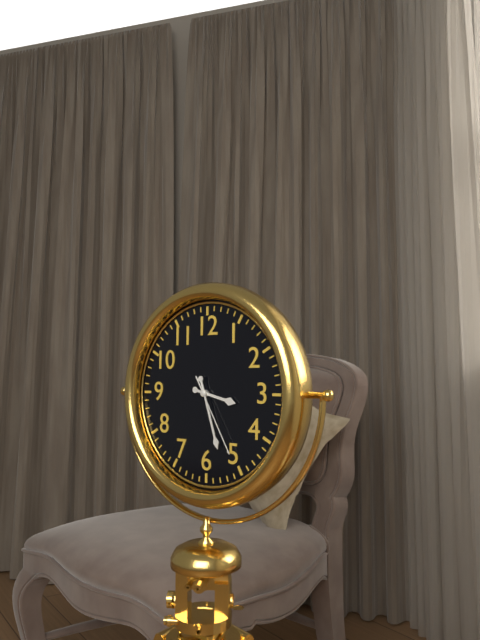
{"hour": 3, "minute": 27, "second": 25}
